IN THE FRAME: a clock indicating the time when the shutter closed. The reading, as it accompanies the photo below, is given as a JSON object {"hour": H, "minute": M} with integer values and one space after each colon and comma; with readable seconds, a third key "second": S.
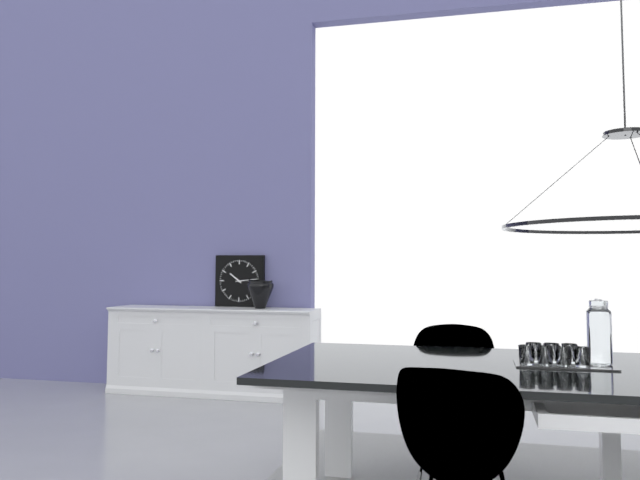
{"hour": 10, "minute": 14}
